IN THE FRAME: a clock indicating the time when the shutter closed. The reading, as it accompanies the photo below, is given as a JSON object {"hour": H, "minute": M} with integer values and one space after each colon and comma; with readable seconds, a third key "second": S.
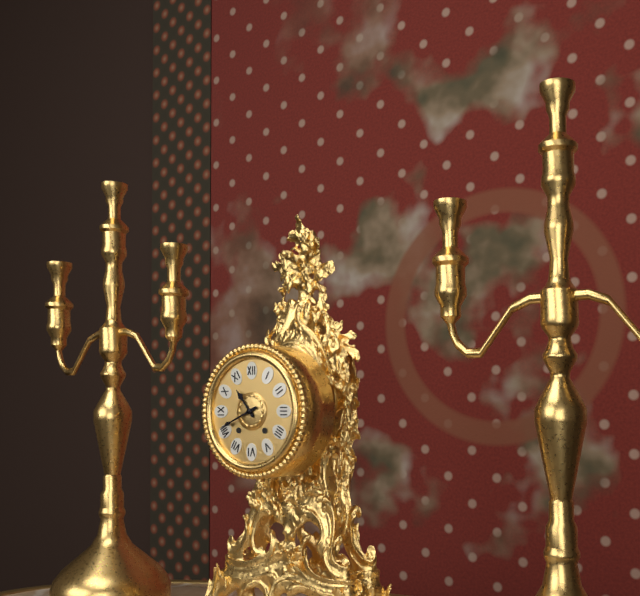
{"hour": 10, "minute": 41}
